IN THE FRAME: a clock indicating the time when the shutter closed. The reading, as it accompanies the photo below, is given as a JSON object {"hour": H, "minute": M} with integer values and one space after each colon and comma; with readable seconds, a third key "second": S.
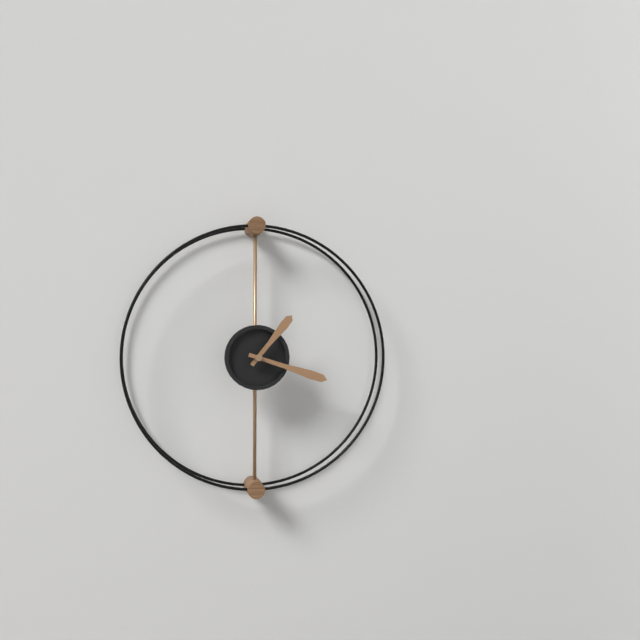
{"hour": 1, "minute": 18}
